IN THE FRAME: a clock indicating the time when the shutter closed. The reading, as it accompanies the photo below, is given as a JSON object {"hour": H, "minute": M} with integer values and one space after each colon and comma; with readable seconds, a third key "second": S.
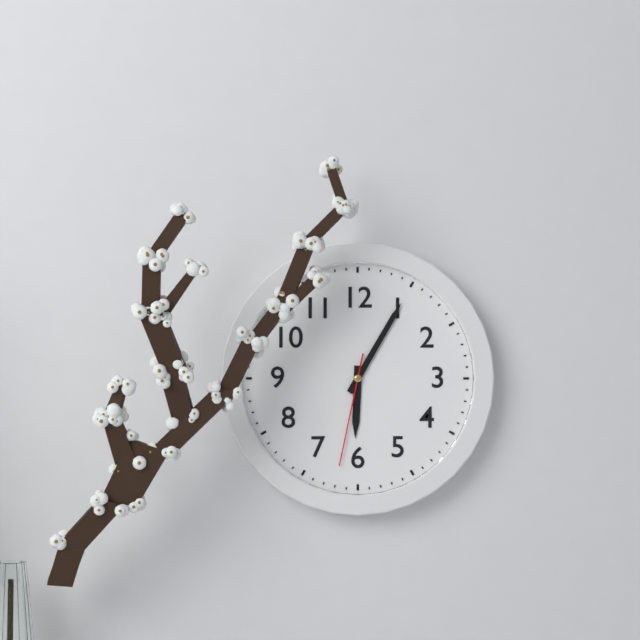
{"hour": 6, "minute": 5, "second": 32}
